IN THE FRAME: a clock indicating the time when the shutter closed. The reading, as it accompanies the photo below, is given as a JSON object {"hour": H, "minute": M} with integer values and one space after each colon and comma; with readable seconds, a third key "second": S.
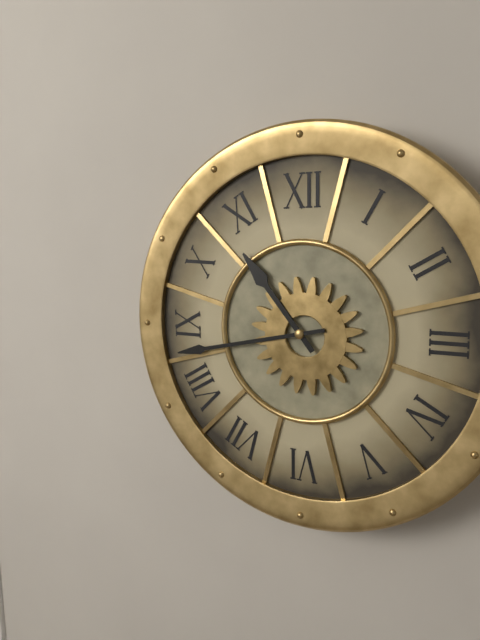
{"hour": 10, "minute": 43}
